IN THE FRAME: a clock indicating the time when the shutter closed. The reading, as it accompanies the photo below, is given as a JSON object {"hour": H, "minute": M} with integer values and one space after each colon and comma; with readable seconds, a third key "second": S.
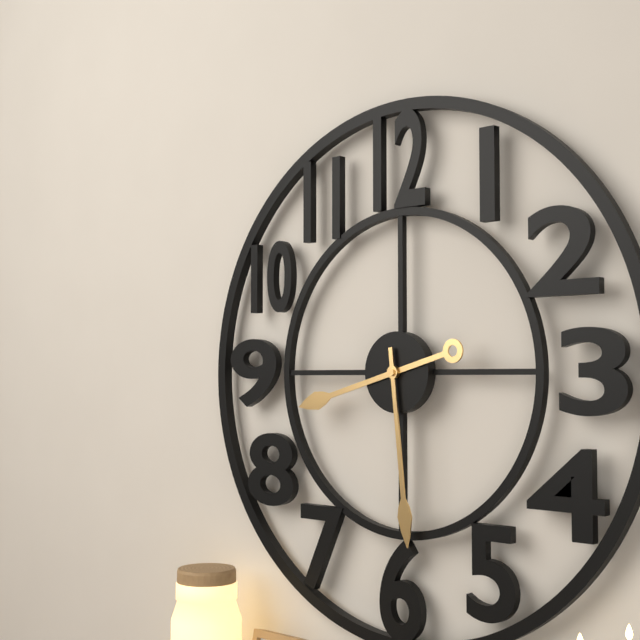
{"hour": 8, "minute": 29}
